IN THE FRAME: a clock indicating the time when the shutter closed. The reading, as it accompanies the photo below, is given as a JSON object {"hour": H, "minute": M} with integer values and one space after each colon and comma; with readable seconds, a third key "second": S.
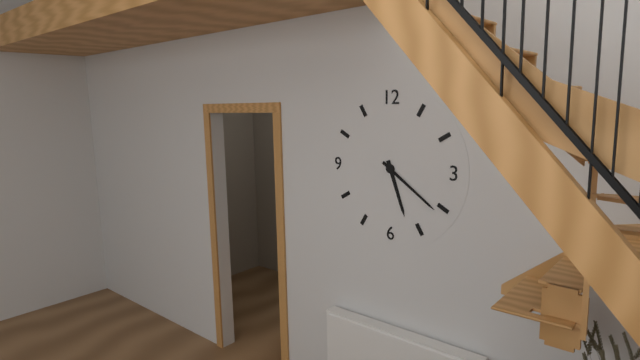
{"hour": 5, "minute": 21}
